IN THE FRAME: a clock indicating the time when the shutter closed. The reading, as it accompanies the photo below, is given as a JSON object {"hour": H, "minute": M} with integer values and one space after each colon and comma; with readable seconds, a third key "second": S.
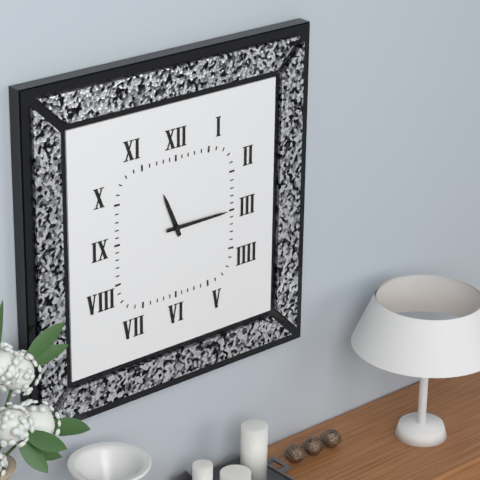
{"hour": 11, "minute": 15}
